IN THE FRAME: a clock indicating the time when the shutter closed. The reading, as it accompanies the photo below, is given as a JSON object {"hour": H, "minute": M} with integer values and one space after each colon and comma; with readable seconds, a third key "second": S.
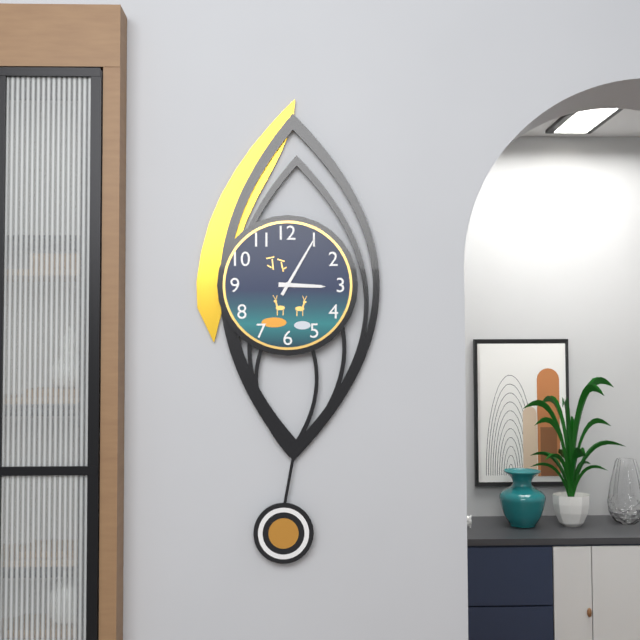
{"hour": 3, "minute": 5}
